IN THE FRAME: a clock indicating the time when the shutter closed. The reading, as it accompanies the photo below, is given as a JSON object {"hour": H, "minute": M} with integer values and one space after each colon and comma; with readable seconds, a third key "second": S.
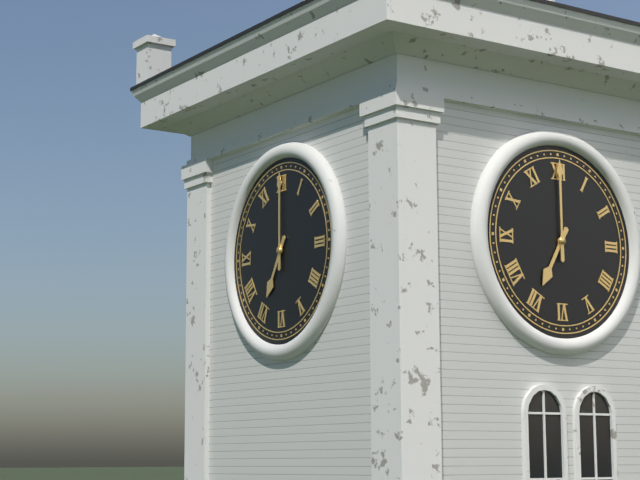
{"hour": 7, "minute": 0}
